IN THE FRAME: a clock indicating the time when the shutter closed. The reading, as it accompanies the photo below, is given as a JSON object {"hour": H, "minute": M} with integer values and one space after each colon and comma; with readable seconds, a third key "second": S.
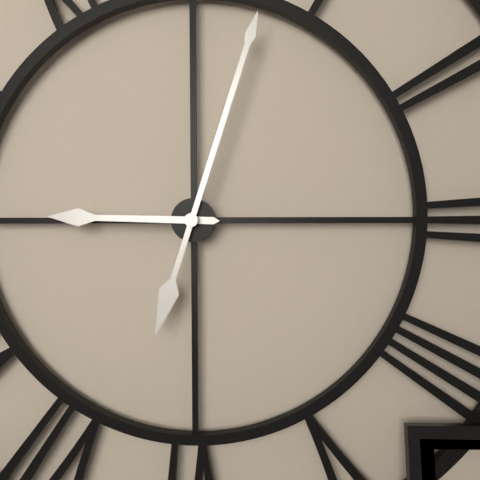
{"hour": 9, "minute": 3}
